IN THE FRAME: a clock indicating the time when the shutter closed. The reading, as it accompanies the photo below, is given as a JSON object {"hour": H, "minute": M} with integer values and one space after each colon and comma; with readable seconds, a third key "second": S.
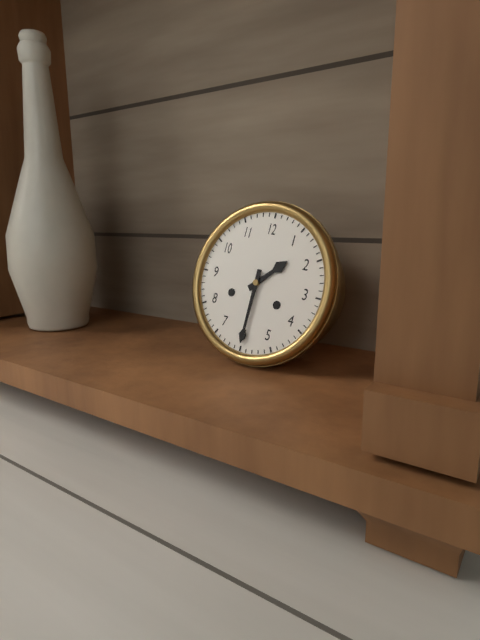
{"hour": 1, "minute": 30}
